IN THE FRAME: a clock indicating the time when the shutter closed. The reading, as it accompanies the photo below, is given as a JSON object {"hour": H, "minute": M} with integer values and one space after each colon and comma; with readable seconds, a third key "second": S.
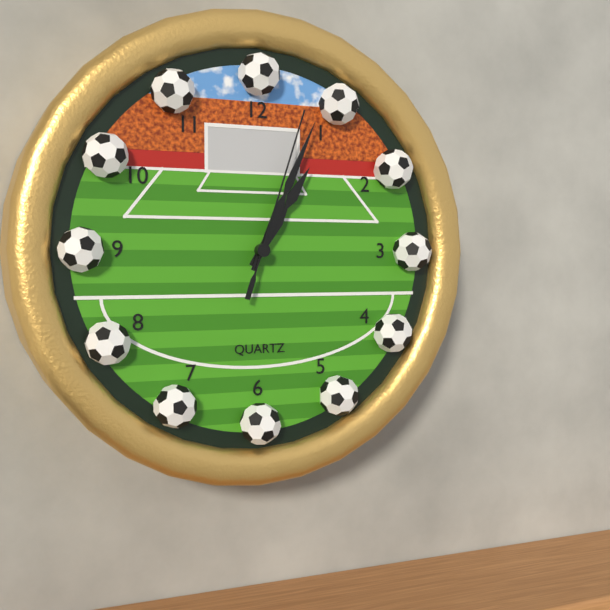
{"hour": 1, "minute": 4, "second": 3}
